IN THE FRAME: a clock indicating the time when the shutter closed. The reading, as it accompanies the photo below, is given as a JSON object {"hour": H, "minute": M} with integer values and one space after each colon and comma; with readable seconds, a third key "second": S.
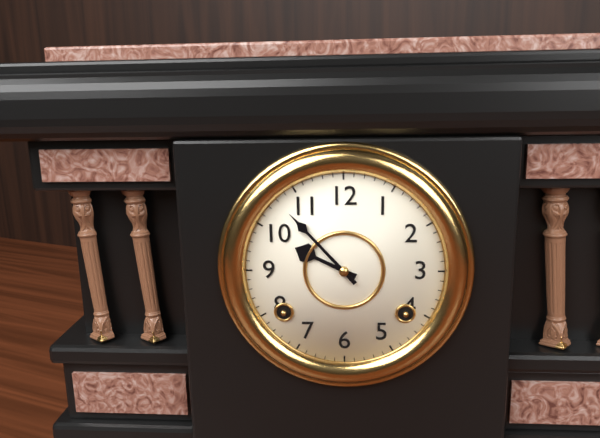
{"hour": 9, "minute": 53}
